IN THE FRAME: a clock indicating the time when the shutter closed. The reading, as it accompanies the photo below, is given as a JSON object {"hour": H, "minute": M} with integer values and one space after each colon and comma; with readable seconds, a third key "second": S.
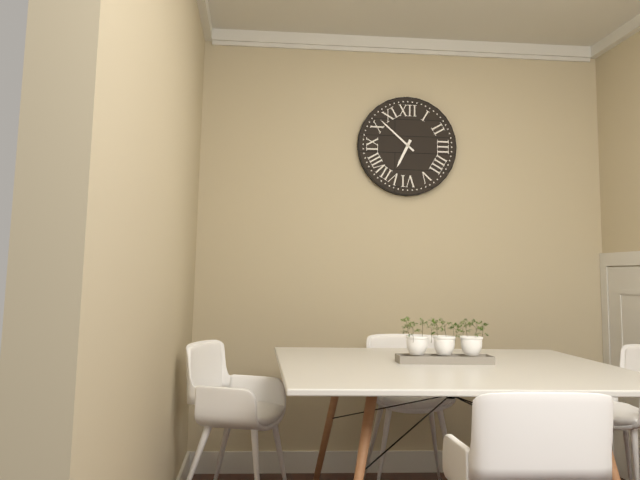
{"hour": 6, "minute": 52}
